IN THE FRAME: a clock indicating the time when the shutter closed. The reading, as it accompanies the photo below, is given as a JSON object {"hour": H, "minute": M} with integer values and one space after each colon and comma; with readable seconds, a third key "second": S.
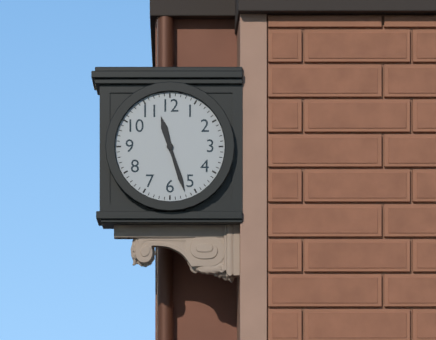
{"hour": 11, "minute": 27}
